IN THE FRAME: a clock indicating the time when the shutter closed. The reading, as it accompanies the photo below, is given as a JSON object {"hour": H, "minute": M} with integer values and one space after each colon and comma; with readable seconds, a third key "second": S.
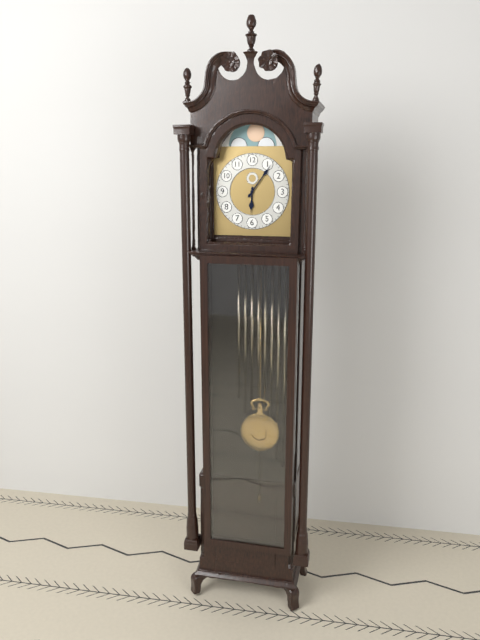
{"hour": 6, "minute": 6}
